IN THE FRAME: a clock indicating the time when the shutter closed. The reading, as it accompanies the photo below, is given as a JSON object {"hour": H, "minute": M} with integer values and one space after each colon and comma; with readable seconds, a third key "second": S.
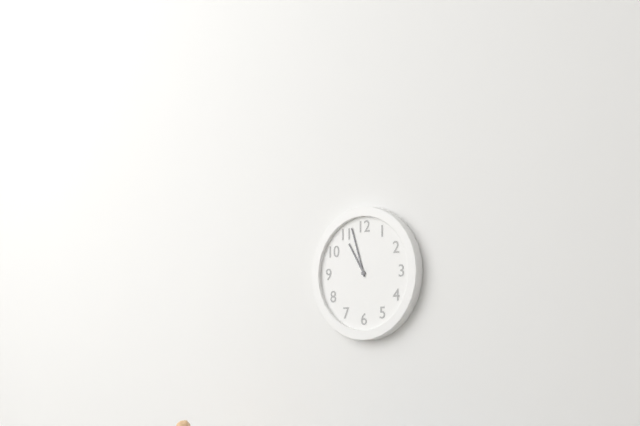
{"hour": 10, "minute": 57}
